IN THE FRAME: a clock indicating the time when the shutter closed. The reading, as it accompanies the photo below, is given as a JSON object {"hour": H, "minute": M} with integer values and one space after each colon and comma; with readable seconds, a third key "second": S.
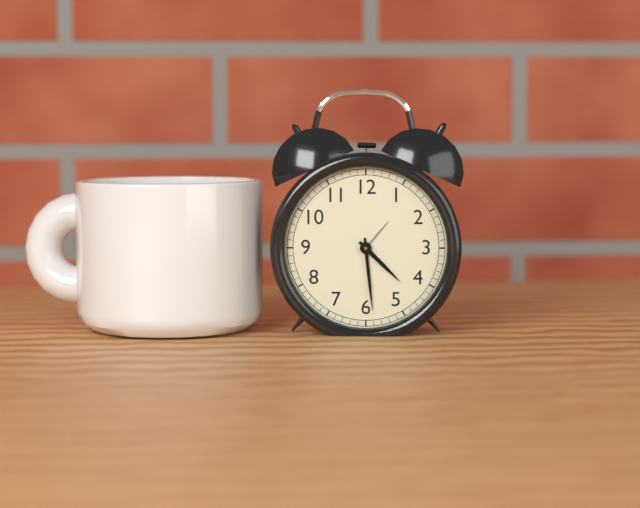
{"hour": 4, "minute": 29}
